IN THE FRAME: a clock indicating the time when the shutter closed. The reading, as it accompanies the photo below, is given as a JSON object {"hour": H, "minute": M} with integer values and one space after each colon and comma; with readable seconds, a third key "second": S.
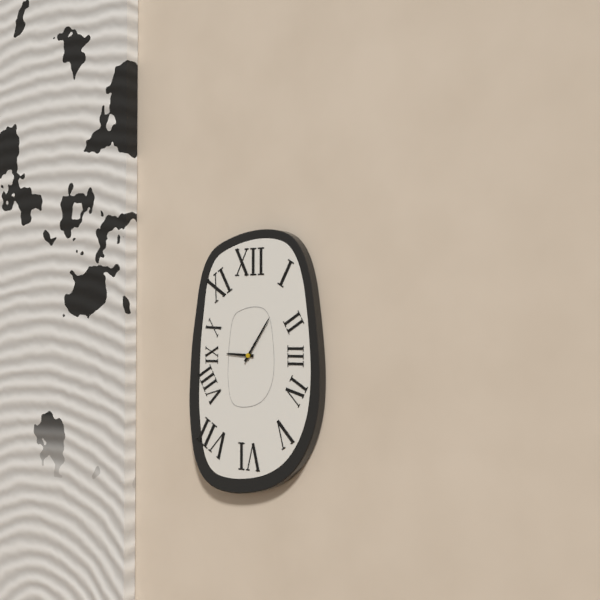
{"hour": 9, "minute": 6}
